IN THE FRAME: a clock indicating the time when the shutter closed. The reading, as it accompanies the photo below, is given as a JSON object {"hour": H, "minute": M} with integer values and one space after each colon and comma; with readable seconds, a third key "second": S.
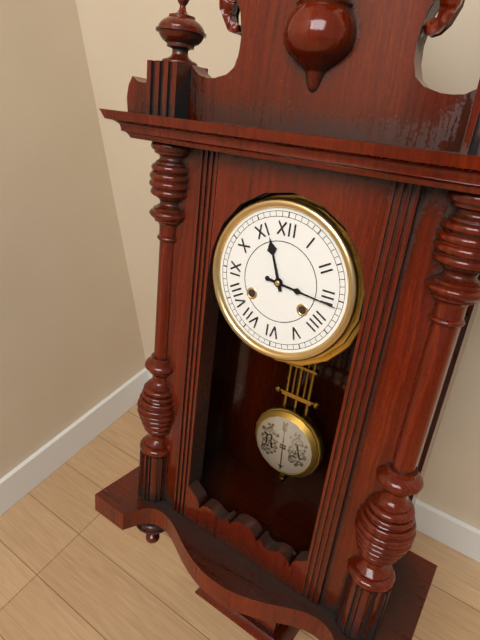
{"hour": 11, "minute": 16}
